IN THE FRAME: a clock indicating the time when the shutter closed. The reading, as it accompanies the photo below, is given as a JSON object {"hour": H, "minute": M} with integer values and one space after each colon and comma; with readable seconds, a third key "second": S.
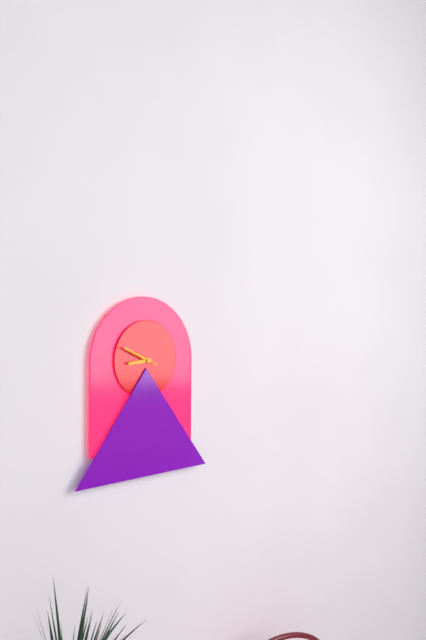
{"hour": 8, "minute": 49}
